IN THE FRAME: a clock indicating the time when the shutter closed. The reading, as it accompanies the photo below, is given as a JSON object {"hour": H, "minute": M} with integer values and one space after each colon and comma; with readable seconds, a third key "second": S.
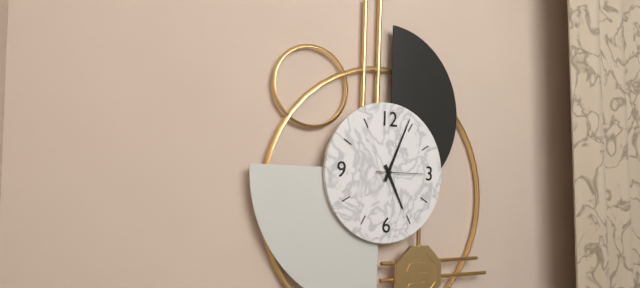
{"hour": 5, "minute": 4}
